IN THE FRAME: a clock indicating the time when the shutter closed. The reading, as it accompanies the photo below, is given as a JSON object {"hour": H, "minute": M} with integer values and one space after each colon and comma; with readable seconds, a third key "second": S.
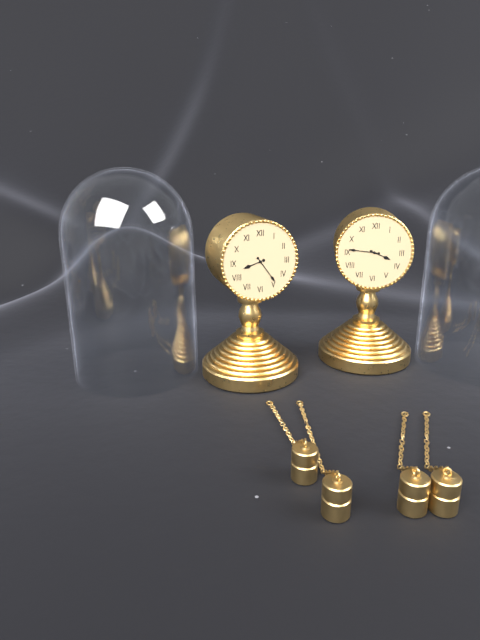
{"hour": 8, "minute": 24}
